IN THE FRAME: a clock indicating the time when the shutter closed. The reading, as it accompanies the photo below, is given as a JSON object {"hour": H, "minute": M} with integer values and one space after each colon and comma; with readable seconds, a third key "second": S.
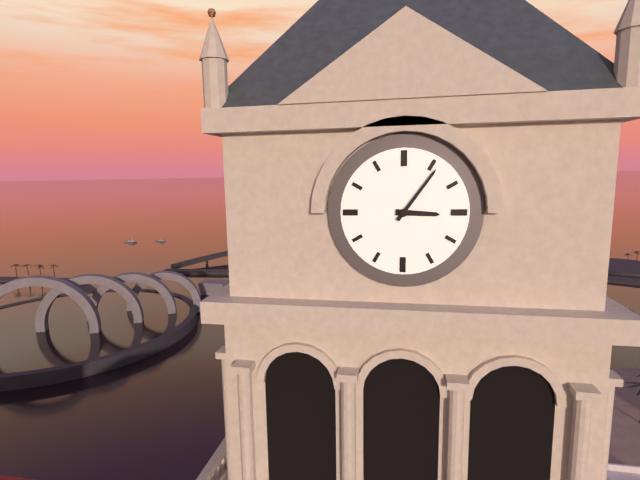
{"hour": 3, "minute": 6}
